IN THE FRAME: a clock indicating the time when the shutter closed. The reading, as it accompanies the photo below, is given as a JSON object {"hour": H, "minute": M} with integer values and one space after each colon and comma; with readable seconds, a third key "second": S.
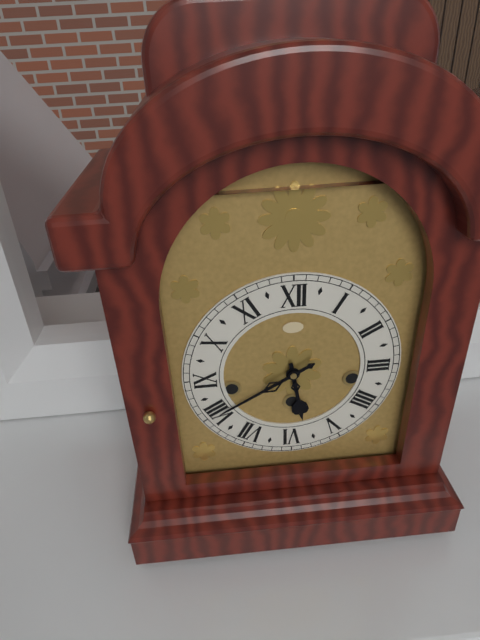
{"hour": 5, "minute": 40}
